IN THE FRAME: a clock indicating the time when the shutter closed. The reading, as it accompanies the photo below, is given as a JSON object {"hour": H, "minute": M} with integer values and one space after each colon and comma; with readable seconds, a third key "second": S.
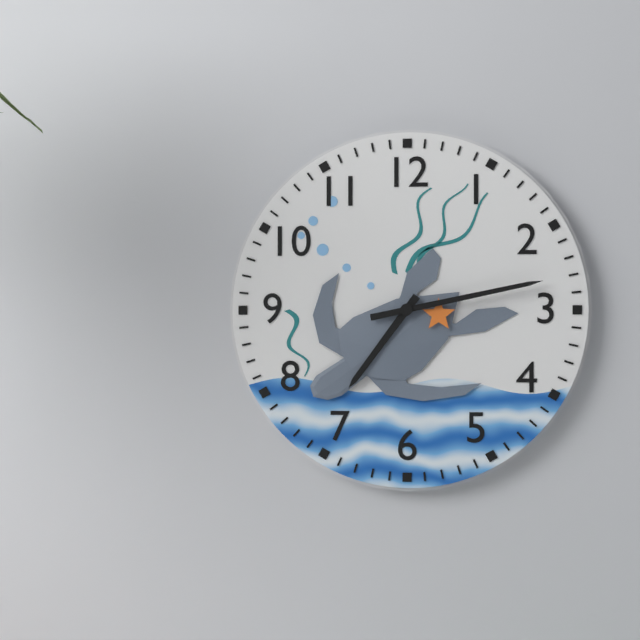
{"hour": 7, "minute": 13}
